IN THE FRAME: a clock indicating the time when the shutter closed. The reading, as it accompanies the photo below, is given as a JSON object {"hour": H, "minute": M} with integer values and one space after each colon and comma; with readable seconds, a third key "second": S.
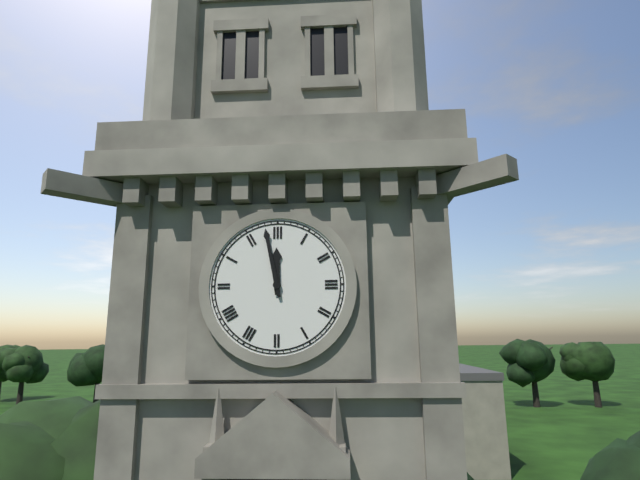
{"hour": 11, "minute": 58}
